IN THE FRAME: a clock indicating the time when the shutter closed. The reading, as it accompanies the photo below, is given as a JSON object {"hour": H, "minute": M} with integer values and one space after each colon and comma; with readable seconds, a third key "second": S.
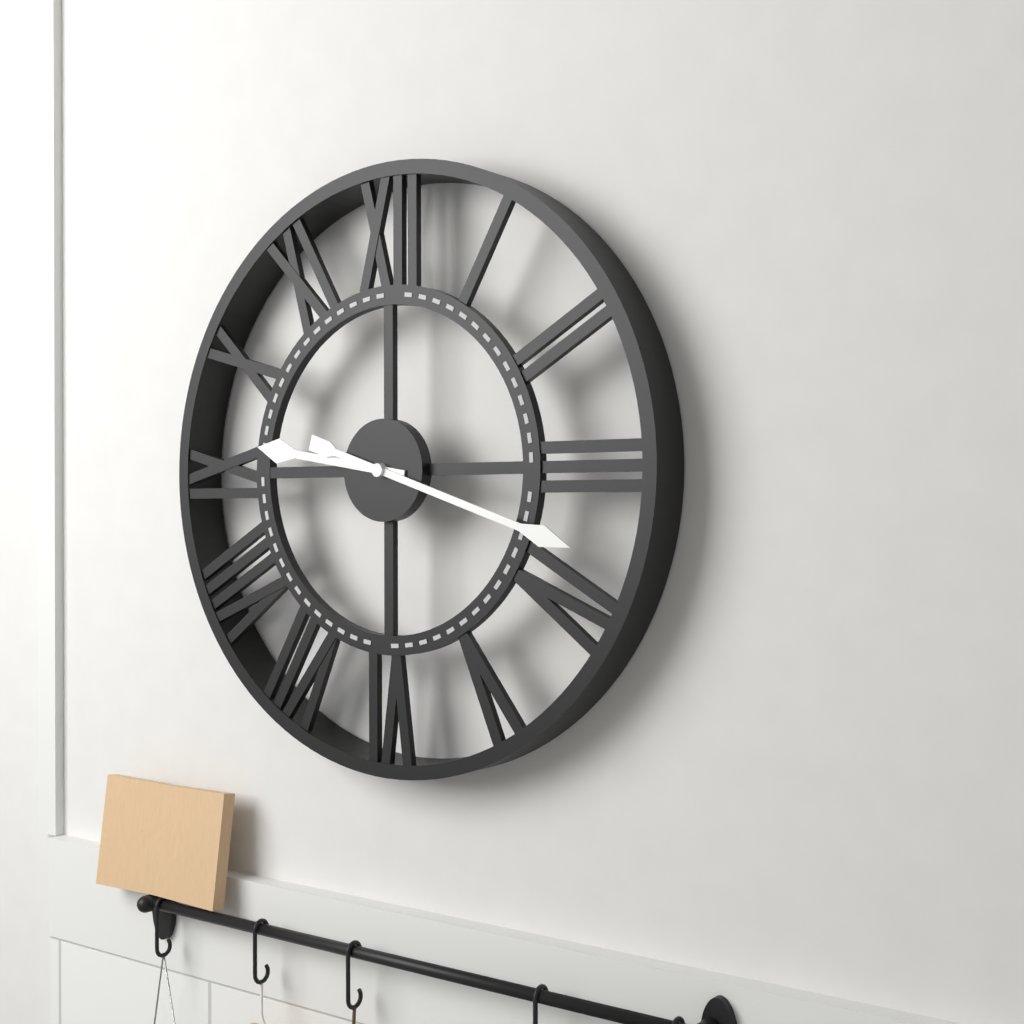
{"hour": 9, "minute": 18}
